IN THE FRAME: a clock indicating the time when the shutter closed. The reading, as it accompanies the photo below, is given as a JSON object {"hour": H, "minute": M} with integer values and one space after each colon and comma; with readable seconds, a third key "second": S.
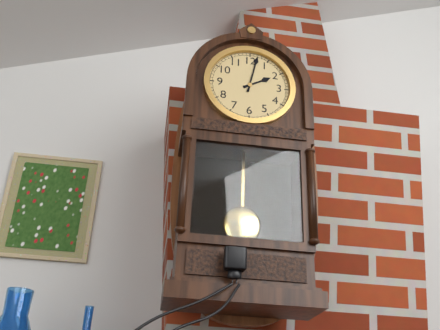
{"hour": 2, "minute": 2}
